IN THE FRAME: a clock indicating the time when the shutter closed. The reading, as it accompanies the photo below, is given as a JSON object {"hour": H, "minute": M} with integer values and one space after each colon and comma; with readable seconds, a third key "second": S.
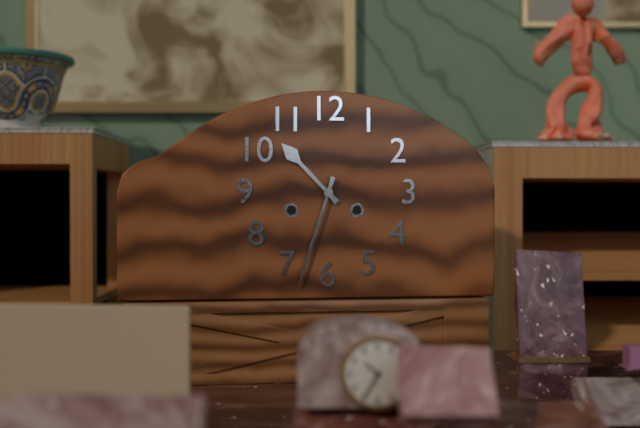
{"hour": 10, "minute": 33}
